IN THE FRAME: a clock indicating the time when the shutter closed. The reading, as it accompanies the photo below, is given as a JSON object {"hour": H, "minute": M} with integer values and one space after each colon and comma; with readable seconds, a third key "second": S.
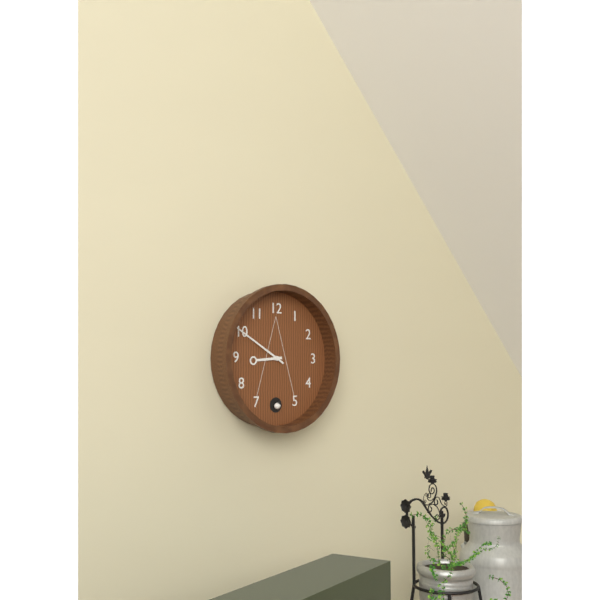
{"hour": 8, "minute": 50}
